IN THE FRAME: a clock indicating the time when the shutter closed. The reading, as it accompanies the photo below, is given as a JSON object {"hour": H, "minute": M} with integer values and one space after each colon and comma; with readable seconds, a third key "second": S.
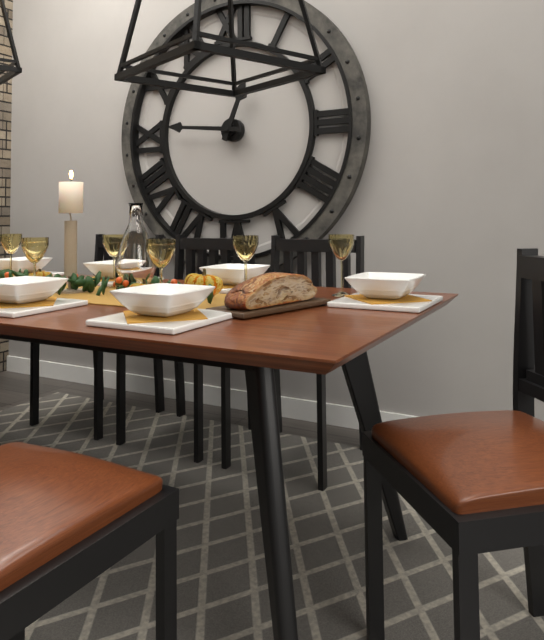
{"hour": 12, "minute": 46}
